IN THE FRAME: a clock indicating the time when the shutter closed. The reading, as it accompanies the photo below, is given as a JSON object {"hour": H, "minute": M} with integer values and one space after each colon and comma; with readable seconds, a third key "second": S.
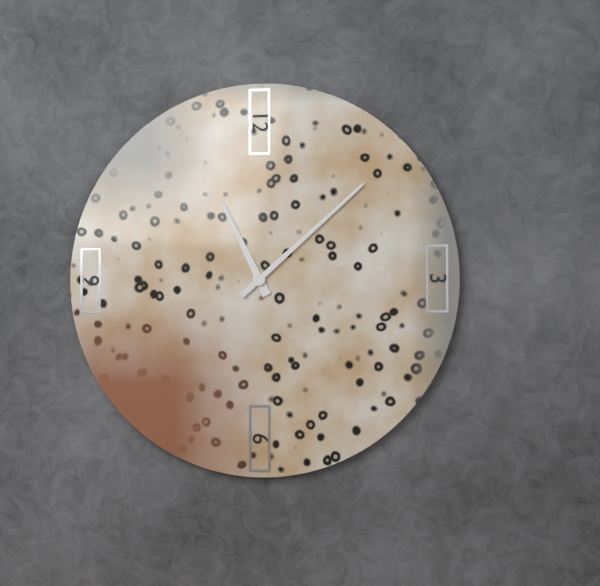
{"hour": 11, "minute": 8}
